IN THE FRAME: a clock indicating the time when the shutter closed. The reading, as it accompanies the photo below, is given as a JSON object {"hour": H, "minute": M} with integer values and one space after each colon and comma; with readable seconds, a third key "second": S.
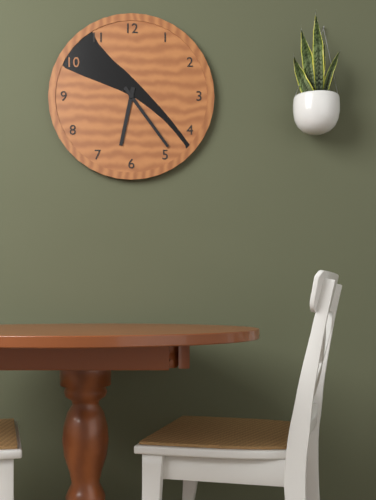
{"hour": 6, "minute": 24}
